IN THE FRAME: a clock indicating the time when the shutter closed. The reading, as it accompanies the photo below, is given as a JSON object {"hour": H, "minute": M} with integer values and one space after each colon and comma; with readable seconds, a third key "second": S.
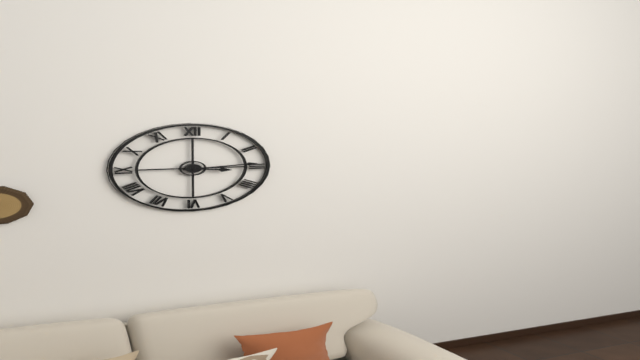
{"hour": 3, "minute": 14}
